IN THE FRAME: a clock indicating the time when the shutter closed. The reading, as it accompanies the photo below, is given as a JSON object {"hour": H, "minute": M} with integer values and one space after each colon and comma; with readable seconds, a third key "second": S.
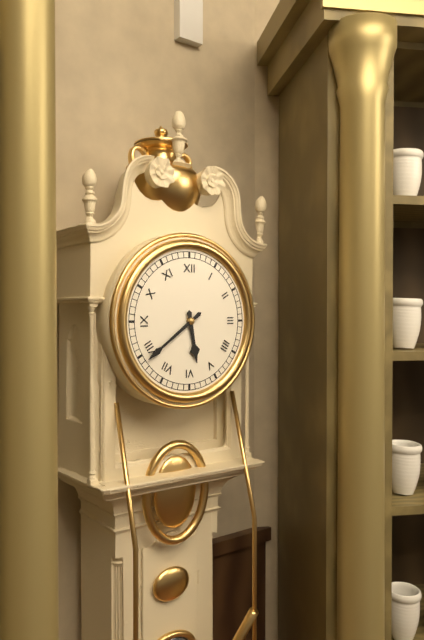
{"hour": 5, "minute": 39}
